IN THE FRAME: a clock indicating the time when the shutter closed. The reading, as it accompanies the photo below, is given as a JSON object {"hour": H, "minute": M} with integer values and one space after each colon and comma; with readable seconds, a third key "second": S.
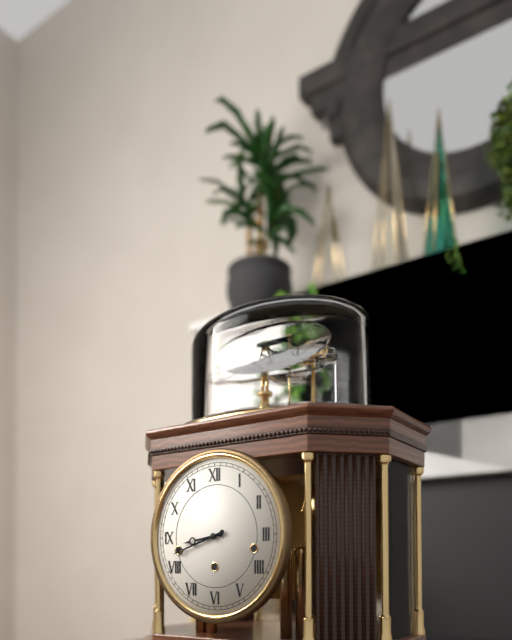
{"hour": 8, "minute": 42}
